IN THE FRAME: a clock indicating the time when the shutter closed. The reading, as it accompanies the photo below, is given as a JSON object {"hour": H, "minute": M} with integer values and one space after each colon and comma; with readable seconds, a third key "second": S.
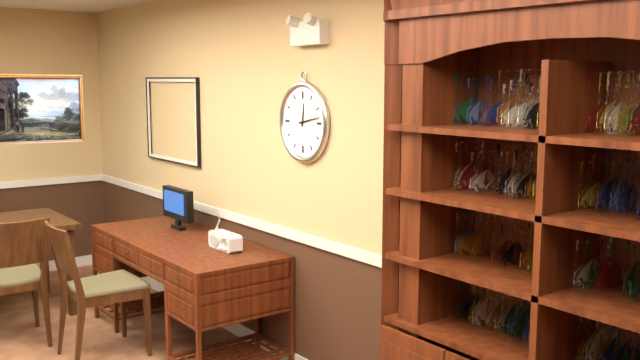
{"hour": 12, "minute": 13}
